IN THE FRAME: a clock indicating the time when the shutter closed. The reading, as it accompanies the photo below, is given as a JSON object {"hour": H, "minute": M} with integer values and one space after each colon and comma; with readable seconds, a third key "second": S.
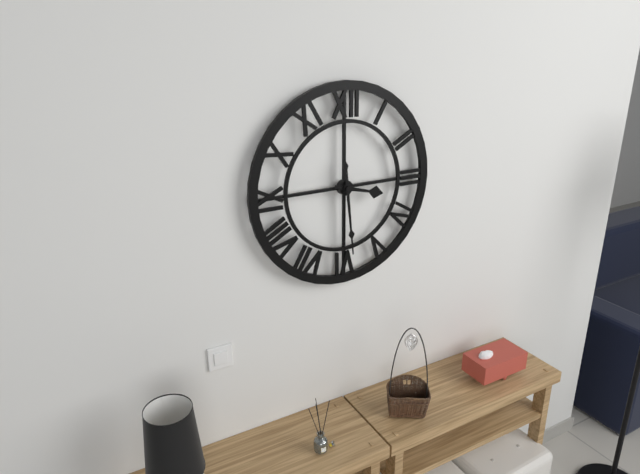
{"hour": 3, "minute": 29}
